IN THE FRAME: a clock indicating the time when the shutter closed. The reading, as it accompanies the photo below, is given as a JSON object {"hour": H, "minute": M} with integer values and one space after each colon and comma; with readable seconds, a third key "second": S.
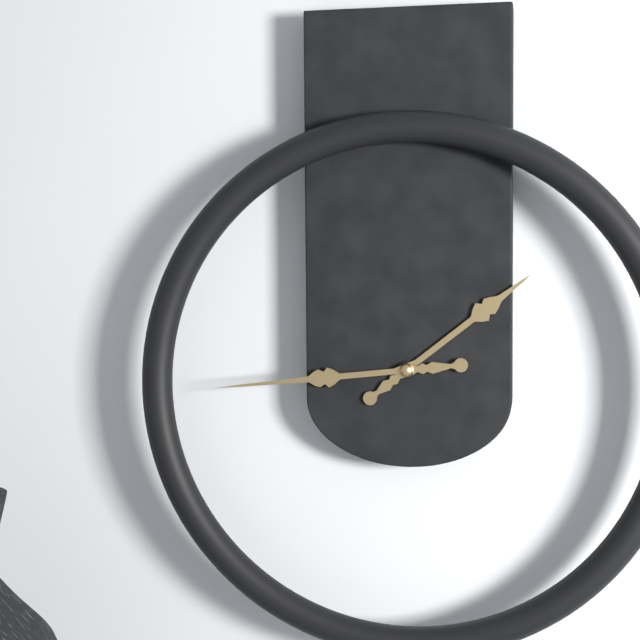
{"hour": 1, "minute": 44}
